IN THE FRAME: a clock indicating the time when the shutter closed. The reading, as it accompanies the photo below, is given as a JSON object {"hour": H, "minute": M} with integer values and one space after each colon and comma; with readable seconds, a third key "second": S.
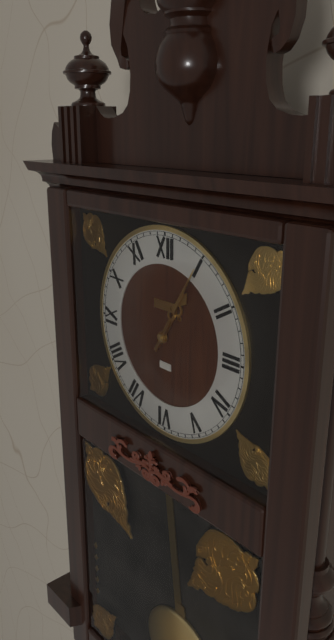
{"hour": 1, "minute": 5}
